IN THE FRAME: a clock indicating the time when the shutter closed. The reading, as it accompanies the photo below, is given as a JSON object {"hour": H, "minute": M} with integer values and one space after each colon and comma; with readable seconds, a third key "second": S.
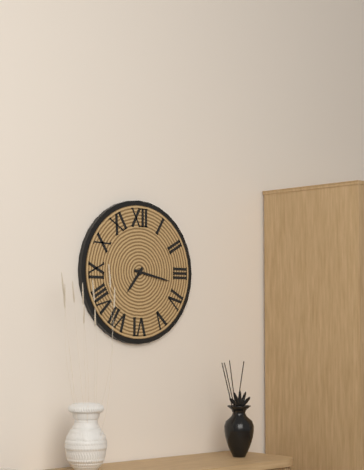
{"hour": 7, "minute": 17}
